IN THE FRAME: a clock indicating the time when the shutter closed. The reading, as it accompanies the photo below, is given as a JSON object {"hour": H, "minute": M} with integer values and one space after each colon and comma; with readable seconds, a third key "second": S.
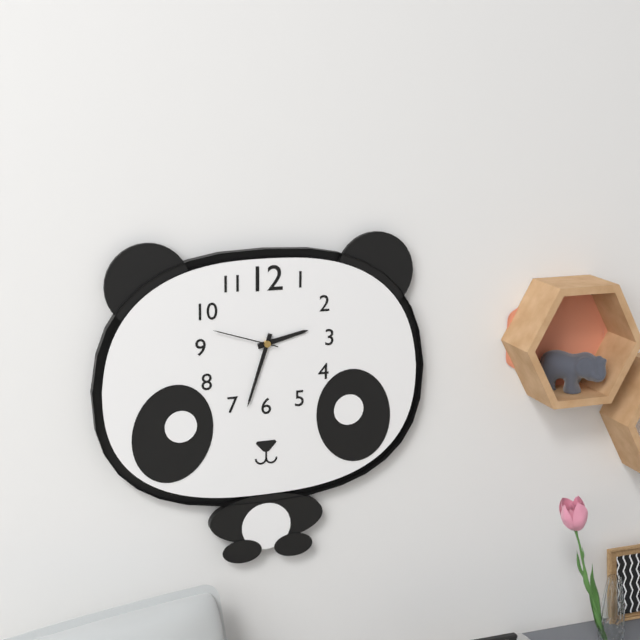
{"hour": 2, "minute": 33, "second": 48}
